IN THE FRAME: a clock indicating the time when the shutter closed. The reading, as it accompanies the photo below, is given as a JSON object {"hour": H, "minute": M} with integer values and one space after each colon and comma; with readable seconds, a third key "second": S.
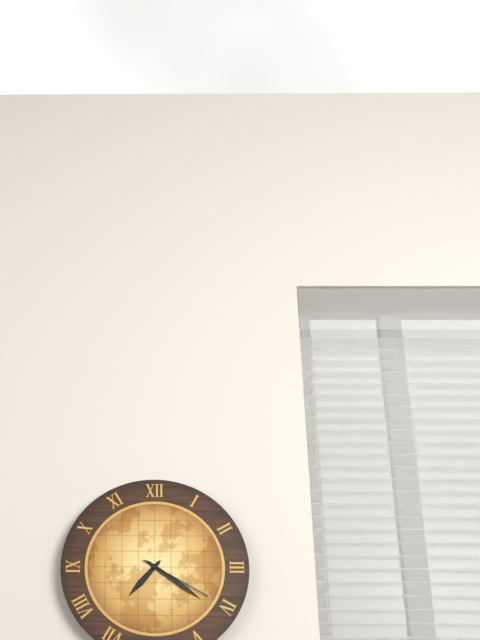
{"hour": 7, "minute": 21, "second": 20}
